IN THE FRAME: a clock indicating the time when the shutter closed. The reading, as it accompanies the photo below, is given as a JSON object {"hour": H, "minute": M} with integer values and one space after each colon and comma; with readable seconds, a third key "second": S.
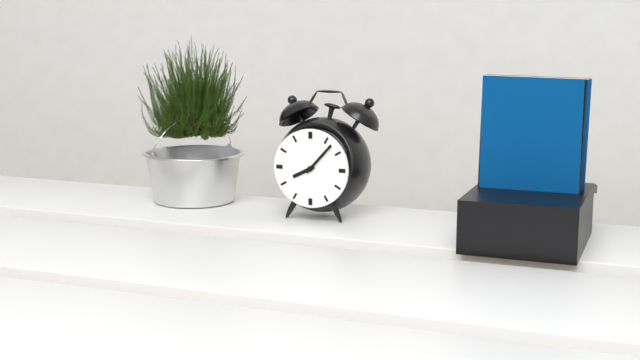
{"hour": 8, "minute": 7}
